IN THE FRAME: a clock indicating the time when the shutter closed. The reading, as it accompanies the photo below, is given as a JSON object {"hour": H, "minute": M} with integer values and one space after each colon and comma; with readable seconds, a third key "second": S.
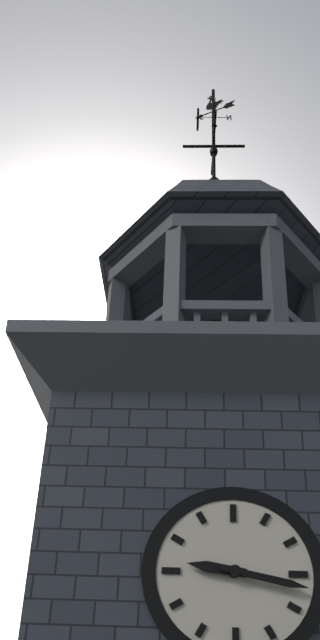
{"hour": 9, "minute": 17}
